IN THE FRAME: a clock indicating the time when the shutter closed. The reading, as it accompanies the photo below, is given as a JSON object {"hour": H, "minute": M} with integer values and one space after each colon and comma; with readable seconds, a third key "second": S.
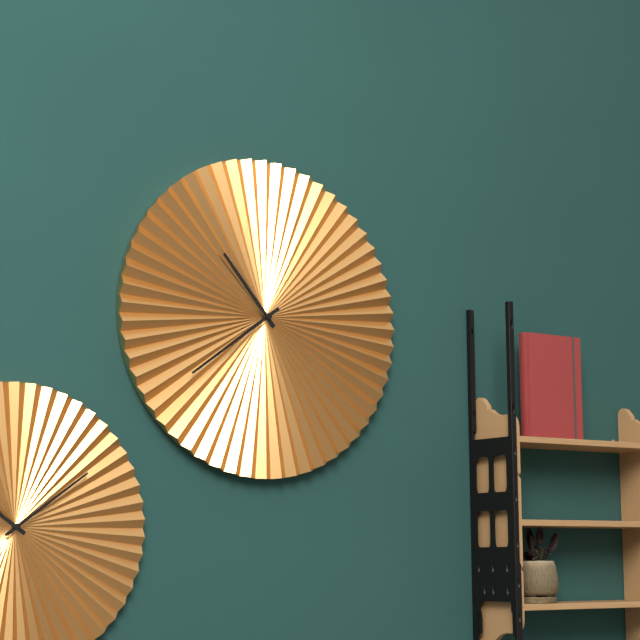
{"hour": 10, "minute": 39}
